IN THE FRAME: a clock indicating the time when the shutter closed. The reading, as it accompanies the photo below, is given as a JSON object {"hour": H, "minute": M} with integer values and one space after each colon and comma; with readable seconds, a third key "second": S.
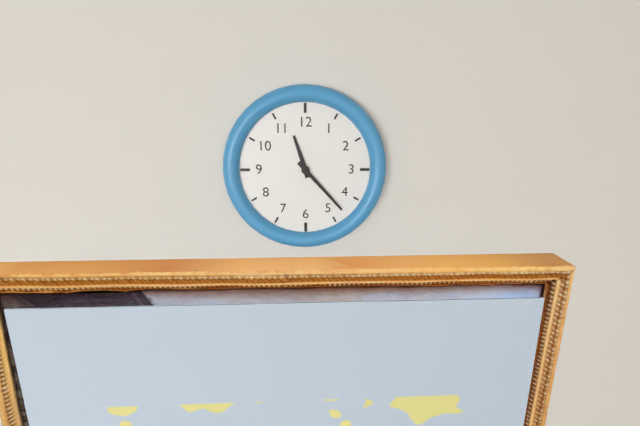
{"hour": 11, "minute": 23}
